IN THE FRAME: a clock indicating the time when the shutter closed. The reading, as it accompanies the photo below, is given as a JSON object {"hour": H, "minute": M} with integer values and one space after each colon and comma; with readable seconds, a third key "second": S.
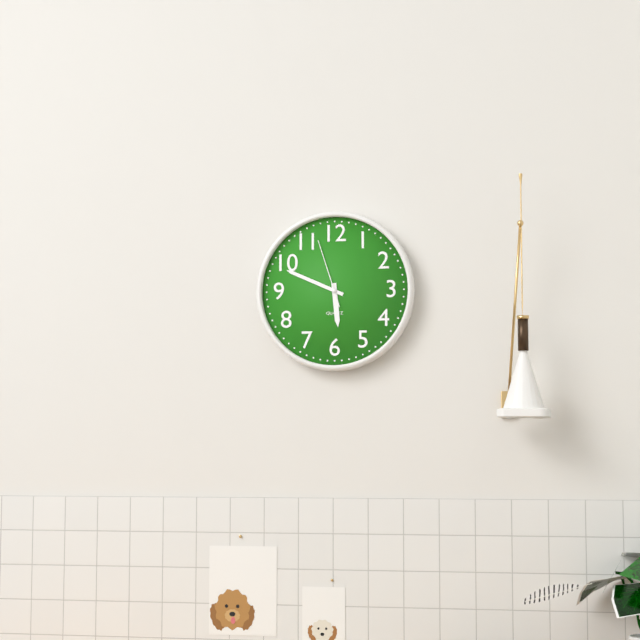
{"hour": 5, "minute": 49, "second": 57}
